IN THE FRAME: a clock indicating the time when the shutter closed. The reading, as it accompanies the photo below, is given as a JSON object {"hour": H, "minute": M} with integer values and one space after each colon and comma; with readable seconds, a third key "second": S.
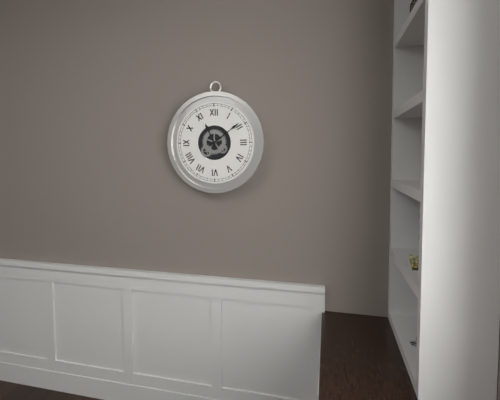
{"hour": 11, "minute": 9}
